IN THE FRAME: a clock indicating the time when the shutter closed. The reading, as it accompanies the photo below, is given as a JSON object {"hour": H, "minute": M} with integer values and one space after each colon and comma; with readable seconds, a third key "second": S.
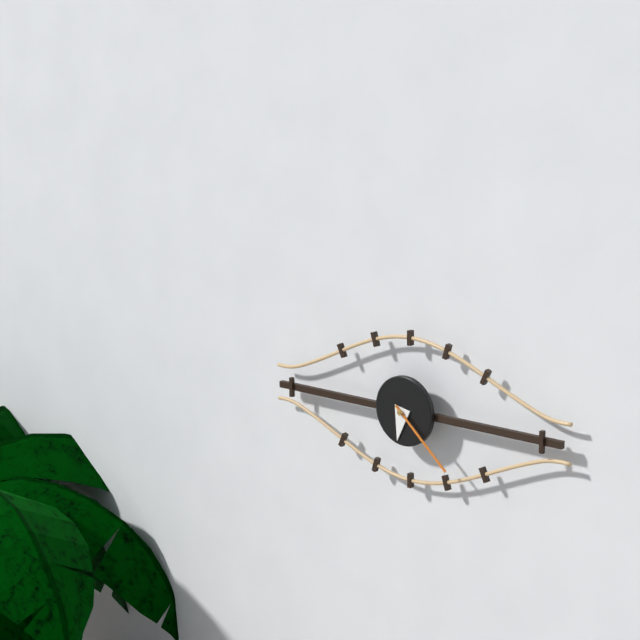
{"hour": 6, "minute": 22}
